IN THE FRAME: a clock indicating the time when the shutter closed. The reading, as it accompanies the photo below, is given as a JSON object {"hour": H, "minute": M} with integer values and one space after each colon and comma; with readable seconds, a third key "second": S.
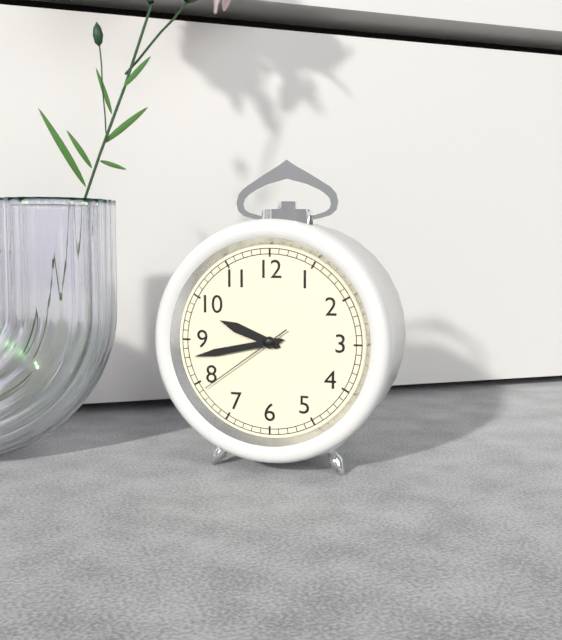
{"hour": 9, "minute": 43, "second": 39}
